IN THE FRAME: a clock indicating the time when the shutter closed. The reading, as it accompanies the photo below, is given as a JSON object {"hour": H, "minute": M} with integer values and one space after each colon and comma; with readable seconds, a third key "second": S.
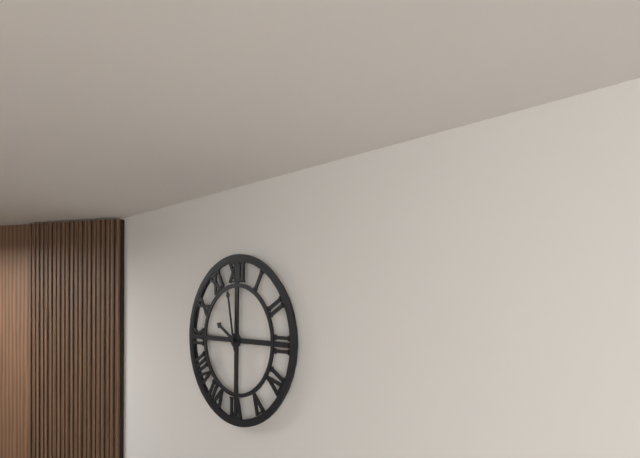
{"hour": 9, "minute": 58}
